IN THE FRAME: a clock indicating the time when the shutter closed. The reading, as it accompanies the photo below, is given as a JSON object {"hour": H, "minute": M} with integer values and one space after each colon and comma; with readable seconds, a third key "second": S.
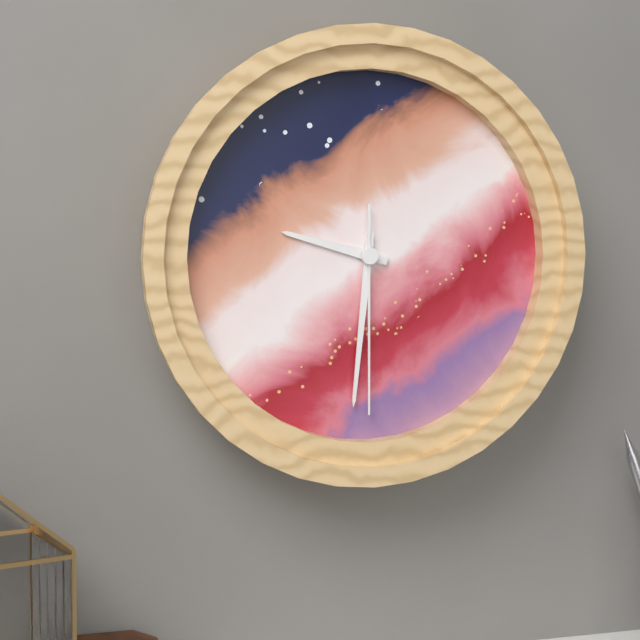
{"hour": 9, "minute": 31, "second": 30}
